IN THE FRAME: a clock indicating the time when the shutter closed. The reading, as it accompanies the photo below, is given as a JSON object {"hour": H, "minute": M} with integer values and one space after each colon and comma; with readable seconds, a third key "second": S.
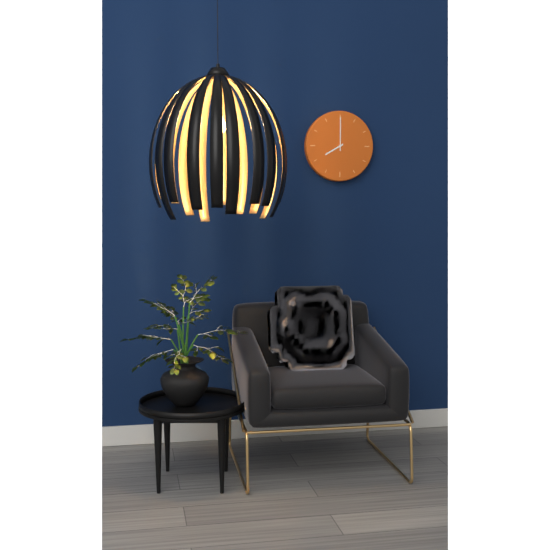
{"hour": 8, "minute": 0}
